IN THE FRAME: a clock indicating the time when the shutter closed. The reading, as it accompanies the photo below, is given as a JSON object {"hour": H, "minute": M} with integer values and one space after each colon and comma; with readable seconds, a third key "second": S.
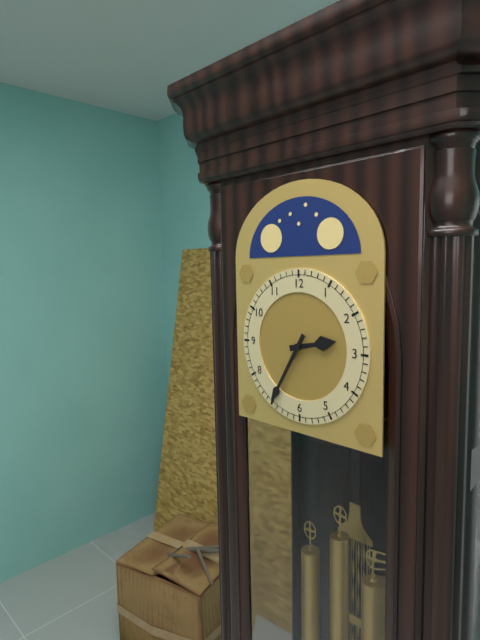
{"hour": 2, "minute": 35}
